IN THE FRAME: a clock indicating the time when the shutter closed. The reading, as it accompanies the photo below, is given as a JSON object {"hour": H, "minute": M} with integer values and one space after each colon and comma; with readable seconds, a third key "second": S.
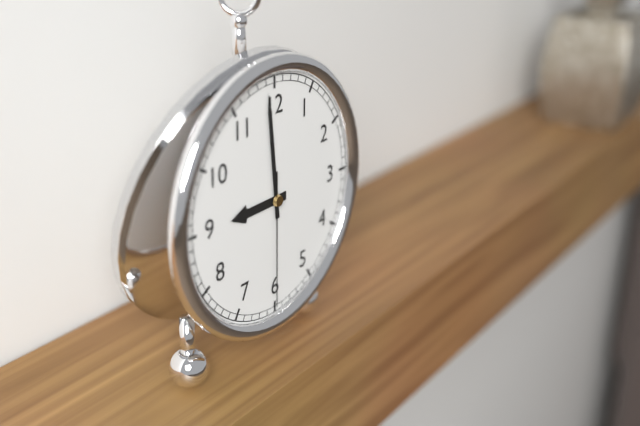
{"hour": 8, "minute": 59, "second": 30}
